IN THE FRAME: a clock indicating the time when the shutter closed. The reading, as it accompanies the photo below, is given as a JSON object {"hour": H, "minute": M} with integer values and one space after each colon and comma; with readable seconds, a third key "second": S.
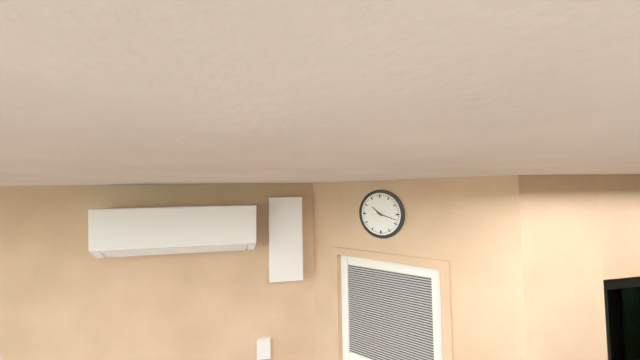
{"hour": 10, "minute": 18}
